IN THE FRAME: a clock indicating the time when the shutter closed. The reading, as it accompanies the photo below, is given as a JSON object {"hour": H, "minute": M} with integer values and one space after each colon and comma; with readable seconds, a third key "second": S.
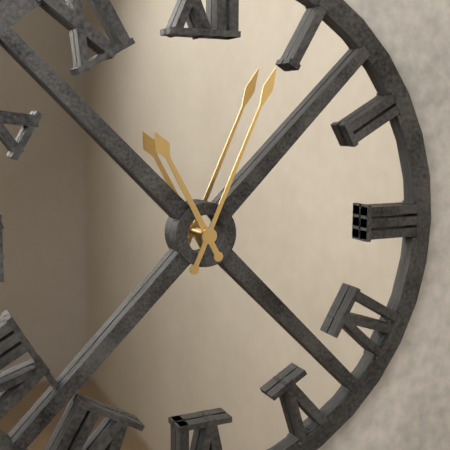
{"hour": 11, "minute": 4}
